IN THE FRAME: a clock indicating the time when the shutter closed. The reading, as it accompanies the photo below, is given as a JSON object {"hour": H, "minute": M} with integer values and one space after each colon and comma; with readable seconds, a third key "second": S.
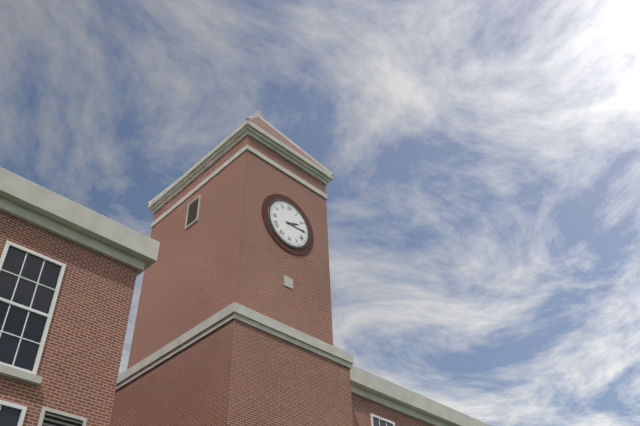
{"hour": 2, "minute": 15}
